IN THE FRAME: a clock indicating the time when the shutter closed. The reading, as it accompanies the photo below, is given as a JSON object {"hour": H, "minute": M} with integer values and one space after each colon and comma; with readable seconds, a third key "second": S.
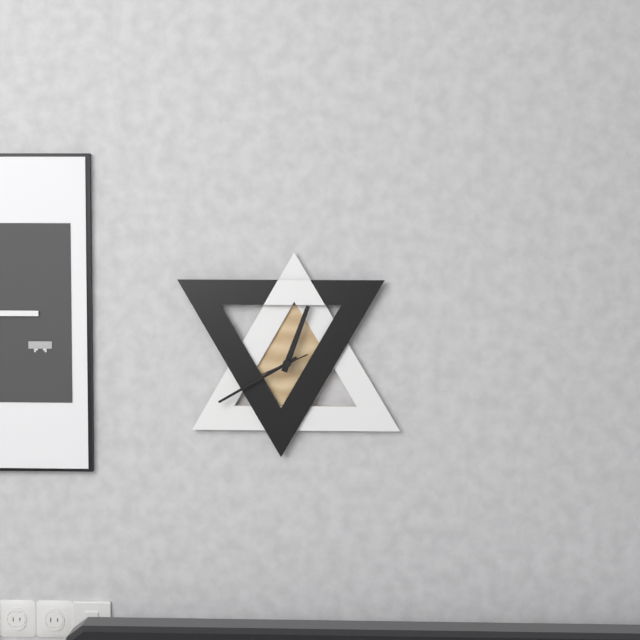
{"hour": 12, "minute": 40}
